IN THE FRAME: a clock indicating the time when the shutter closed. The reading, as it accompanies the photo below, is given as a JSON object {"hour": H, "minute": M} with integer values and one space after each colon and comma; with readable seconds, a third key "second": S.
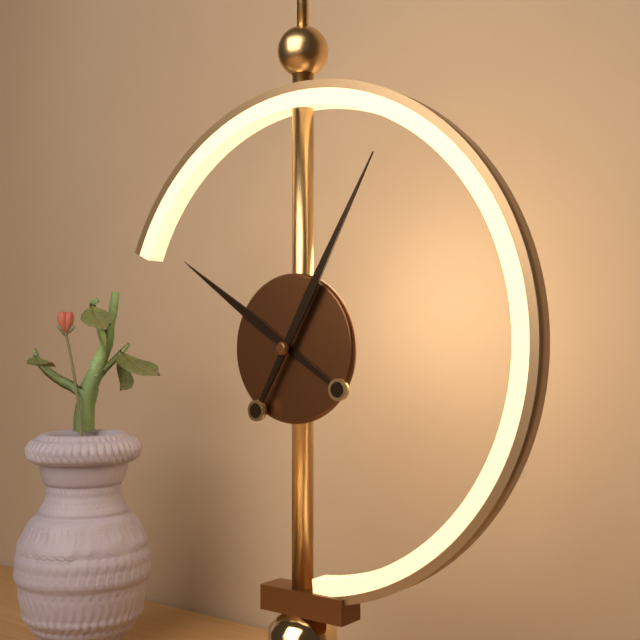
{"hour": 10, "minute": 5}
